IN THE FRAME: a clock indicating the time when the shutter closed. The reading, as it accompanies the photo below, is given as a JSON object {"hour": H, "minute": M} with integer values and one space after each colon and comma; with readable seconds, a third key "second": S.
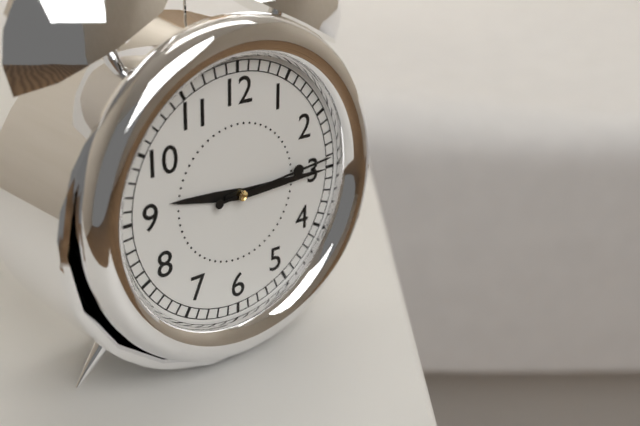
{"hour": 9, "minute": 15, "second": 14}
